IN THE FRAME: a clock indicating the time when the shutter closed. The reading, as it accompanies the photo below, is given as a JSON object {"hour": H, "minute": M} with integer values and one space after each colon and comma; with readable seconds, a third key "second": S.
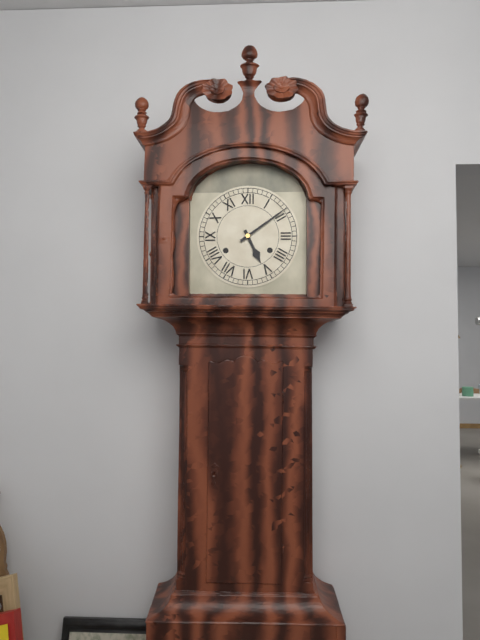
{"hour": 5, "minute": 9}
